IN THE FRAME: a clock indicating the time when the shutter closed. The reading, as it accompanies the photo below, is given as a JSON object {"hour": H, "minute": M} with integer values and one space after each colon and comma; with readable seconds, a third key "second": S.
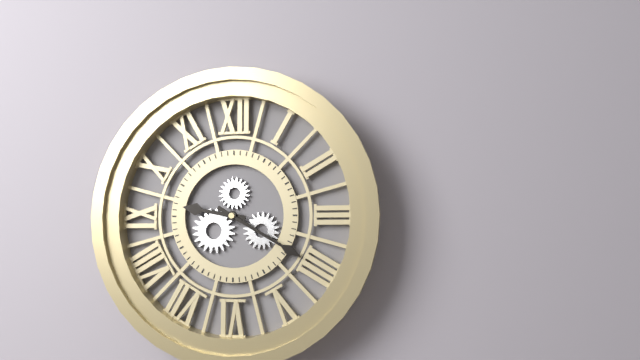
{"hour": 9, "minute": 20}
